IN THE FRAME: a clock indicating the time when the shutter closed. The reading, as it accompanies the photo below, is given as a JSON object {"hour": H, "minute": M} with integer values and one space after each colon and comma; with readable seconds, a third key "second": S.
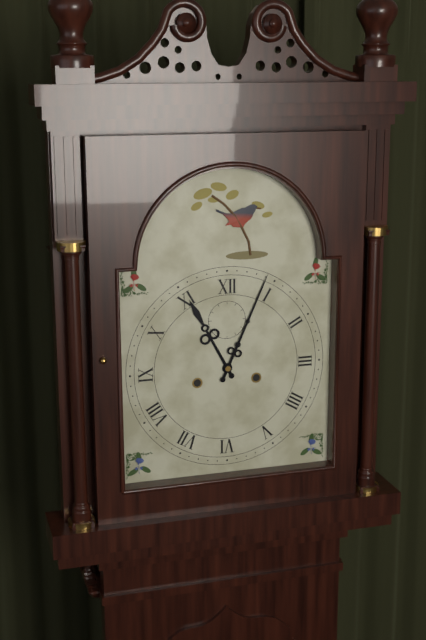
{"hour": 11, "minute": 4}
